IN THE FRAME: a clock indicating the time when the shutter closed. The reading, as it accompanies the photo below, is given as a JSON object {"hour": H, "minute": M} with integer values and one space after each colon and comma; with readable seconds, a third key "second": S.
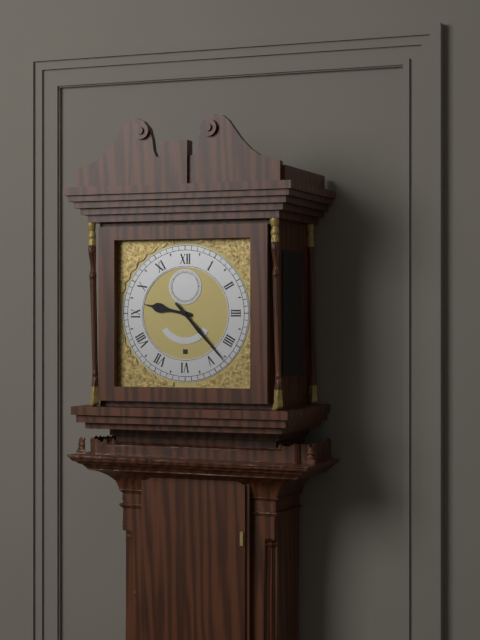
{"hour": 9, "minute": 23}
